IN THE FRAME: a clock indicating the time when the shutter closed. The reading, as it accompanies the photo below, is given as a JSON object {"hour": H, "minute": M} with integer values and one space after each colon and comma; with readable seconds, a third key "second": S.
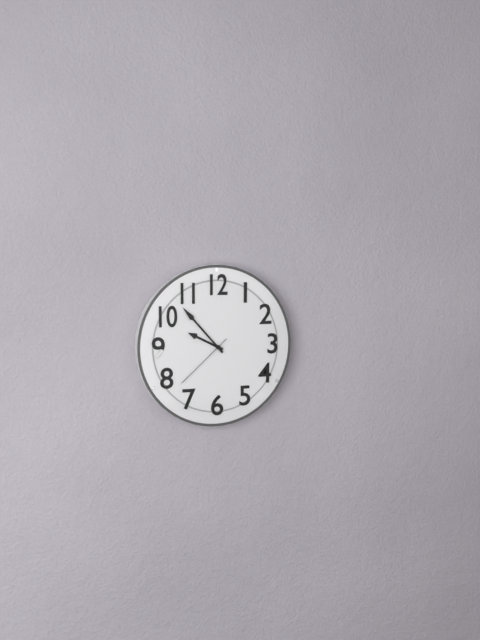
{"hour": 9, "minute": 53, "second": 38}
